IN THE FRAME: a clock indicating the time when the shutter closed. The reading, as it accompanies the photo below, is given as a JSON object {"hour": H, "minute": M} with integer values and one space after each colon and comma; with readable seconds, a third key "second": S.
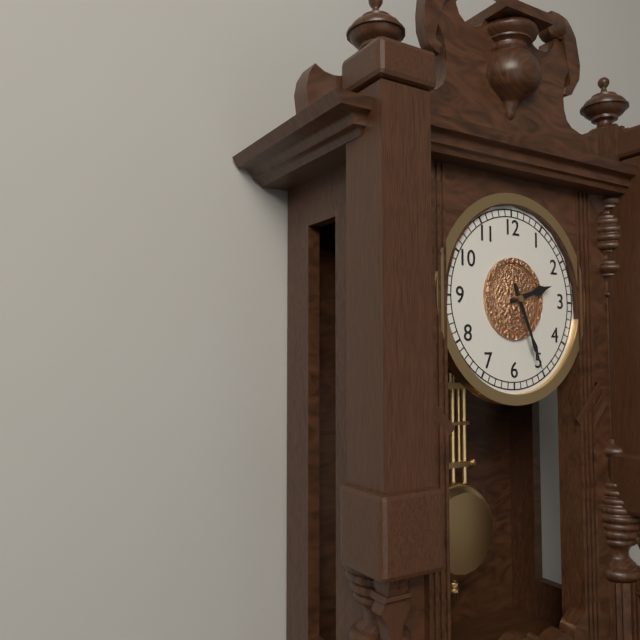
{"hour": 2, "minute": 26}
